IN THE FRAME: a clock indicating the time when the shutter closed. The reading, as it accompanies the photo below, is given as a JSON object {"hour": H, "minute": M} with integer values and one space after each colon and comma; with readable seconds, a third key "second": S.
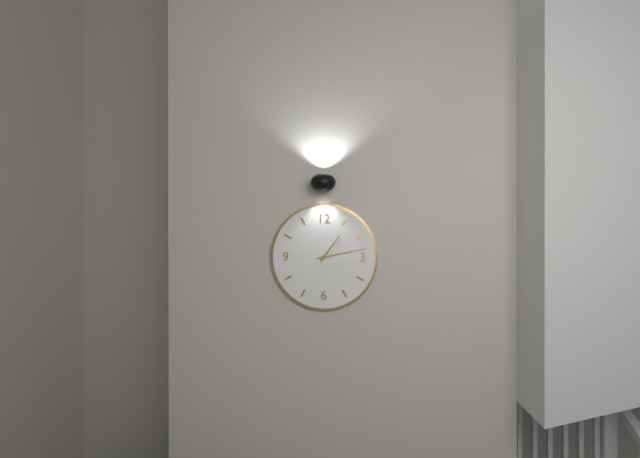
{"hour": 1, "minute": 13}
